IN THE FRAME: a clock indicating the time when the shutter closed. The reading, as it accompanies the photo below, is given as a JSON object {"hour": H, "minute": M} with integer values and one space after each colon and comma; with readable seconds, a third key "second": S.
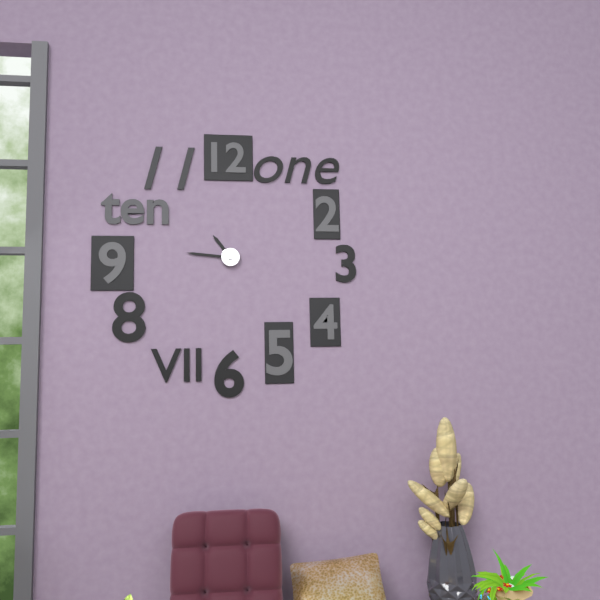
{"hour": 10, "minute": 46}
